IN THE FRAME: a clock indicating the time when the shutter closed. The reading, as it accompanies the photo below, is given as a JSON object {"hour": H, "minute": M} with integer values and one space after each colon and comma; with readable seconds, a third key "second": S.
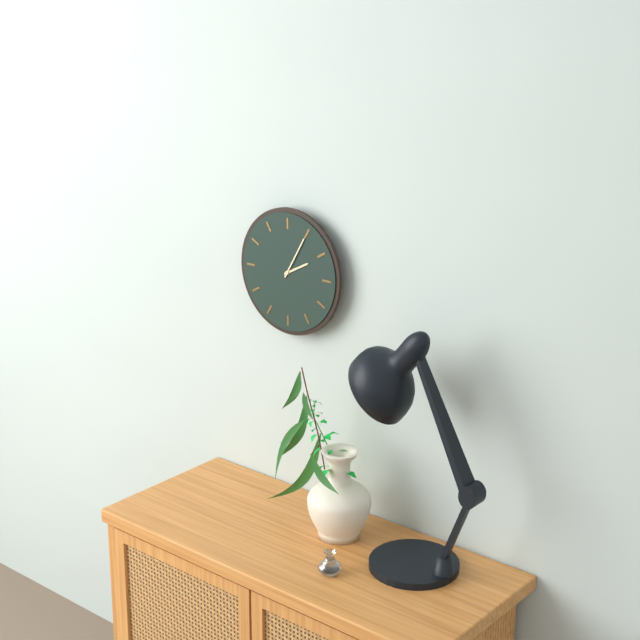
{"hour": 2, "minute": 5}
